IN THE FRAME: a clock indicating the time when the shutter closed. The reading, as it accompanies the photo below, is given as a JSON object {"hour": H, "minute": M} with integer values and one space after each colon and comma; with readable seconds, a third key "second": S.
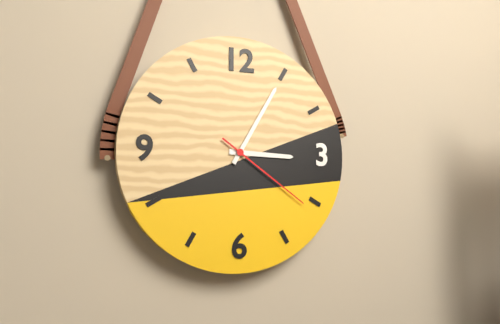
{"hour": 3, "minute": 5, "second": 21}
